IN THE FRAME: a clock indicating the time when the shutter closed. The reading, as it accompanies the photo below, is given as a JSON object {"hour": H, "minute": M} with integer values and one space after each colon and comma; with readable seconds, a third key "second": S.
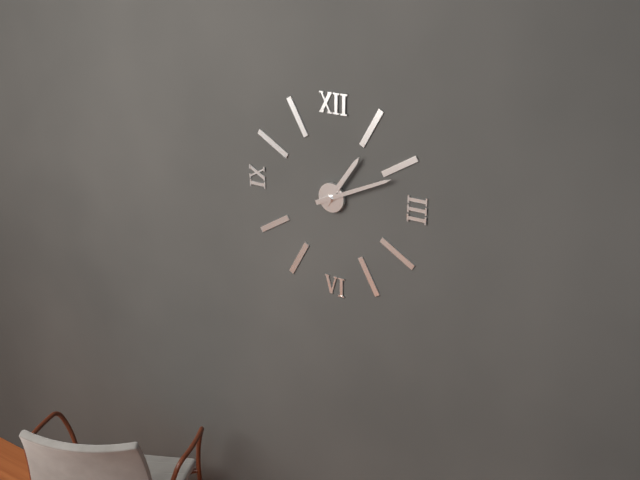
{"hour": 1, "minute": 11}
